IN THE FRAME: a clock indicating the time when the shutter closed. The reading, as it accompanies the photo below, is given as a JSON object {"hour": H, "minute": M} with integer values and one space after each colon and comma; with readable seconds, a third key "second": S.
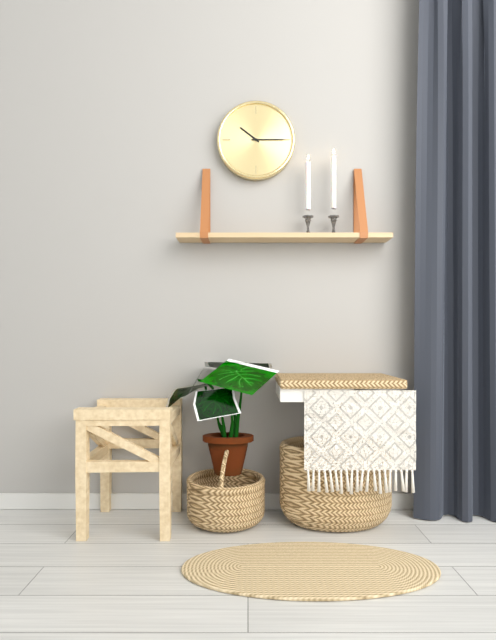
{"hour": 10, "minute": 15}
